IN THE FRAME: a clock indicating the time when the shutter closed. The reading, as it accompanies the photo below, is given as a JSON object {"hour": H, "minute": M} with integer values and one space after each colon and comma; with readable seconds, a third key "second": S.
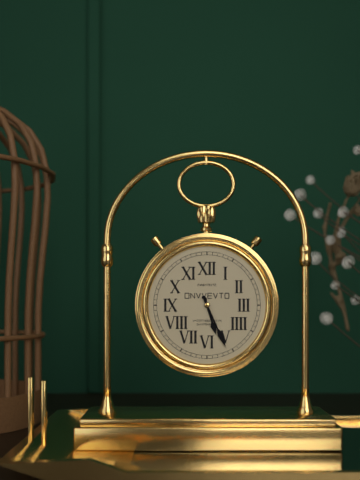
{"hour": 5, "minute": 26}
